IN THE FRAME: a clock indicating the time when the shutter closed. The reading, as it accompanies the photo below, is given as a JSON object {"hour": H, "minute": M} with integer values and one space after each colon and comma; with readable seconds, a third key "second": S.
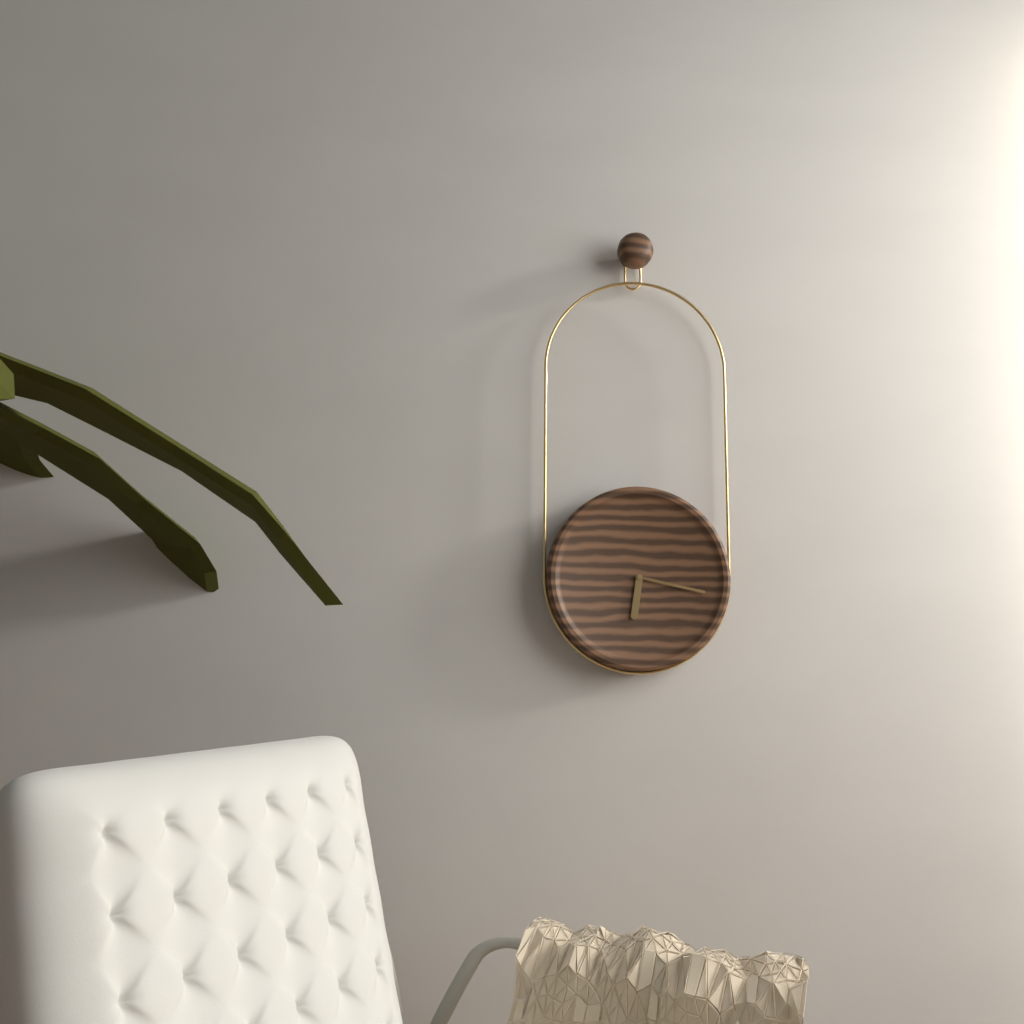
{"hour": 6, "minute": 17}
